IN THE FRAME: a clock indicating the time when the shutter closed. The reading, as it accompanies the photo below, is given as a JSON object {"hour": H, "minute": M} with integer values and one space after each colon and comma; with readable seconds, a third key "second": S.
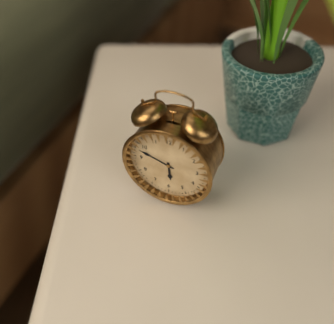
{"hour": 5, "minute": 48}
